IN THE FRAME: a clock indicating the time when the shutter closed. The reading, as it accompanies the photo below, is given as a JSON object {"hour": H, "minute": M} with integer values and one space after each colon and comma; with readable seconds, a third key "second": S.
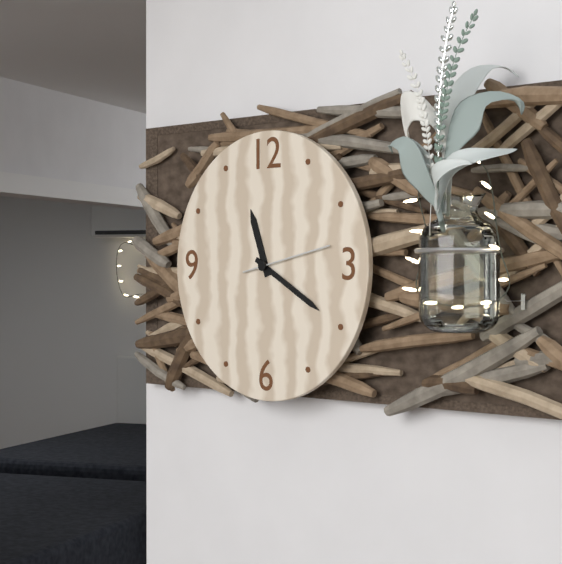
{"hour": 11, "minute": 20, "second": 13}
